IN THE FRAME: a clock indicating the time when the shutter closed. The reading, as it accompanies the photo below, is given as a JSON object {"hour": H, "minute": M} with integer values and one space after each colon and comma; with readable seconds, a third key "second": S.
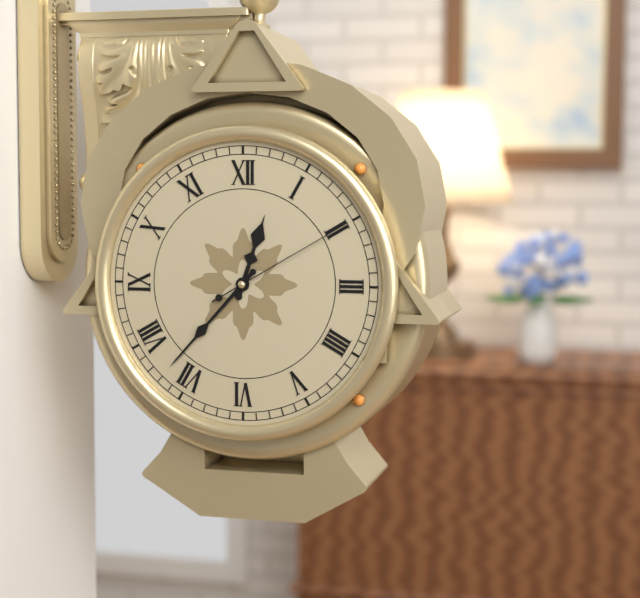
{"hour": 12, "minute": 37, "second": 10}
